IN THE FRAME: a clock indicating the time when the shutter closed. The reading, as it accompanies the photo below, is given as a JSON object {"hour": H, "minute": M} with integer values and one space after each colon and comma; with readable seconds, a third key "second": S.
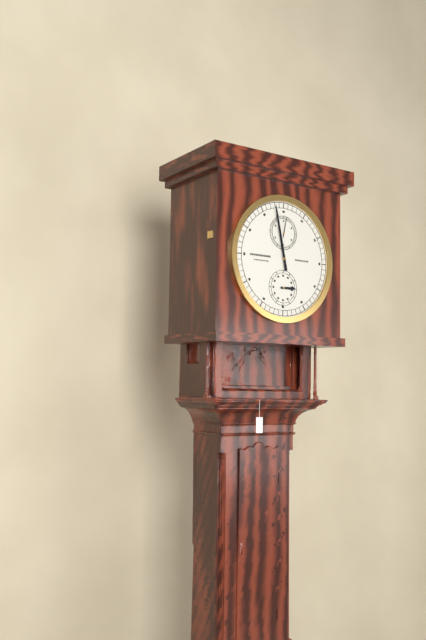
{"hour": 2, "minute": 58}
